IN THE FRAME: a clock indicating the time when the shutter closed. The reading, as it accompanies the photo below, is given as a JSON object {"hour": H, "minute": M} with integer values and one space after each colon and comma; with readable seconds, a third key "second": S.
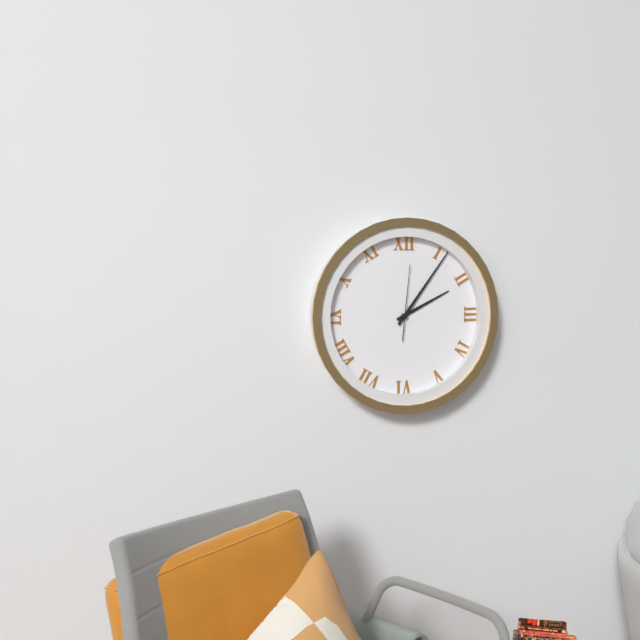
{"hour": 2, "minute": 6, "second": 1}
